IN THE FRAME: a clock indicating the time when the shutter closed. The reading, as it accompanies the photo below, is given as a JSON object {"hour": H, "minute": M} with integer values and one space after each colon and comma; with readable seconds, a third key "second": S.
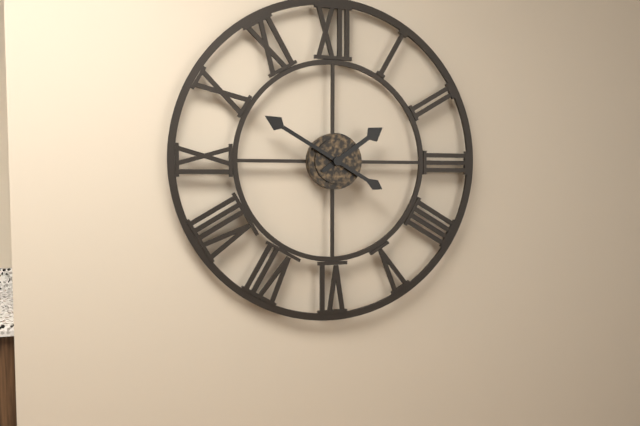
{"hour": 1, "minute": 50}
